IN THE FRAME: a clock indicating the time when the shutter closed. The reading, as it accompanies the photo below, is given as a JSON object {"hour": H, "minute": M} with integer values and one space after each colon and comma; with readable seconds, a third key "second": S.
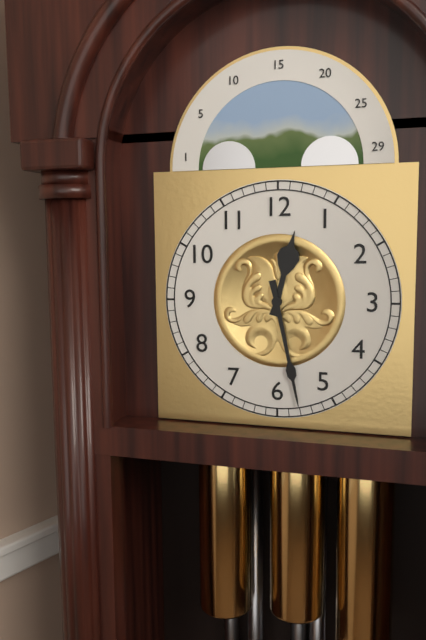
{"hour": 12, "minute": 28}
